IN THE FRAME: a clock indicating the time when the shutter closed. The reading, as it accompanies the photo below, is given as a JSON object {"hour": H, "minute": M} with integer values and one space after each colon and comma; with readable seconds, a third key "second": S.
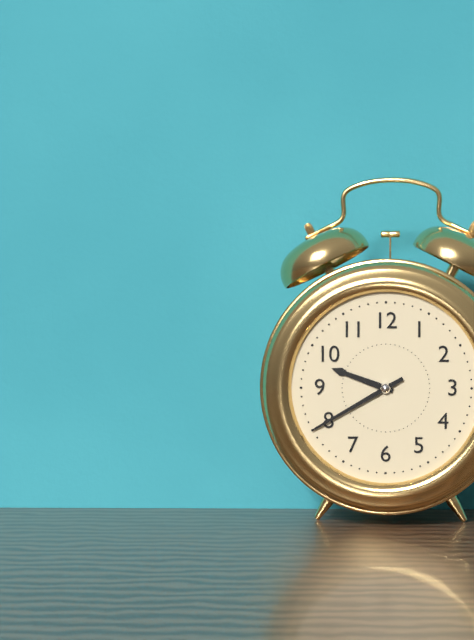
{"hour": 9, "minute": 40}
